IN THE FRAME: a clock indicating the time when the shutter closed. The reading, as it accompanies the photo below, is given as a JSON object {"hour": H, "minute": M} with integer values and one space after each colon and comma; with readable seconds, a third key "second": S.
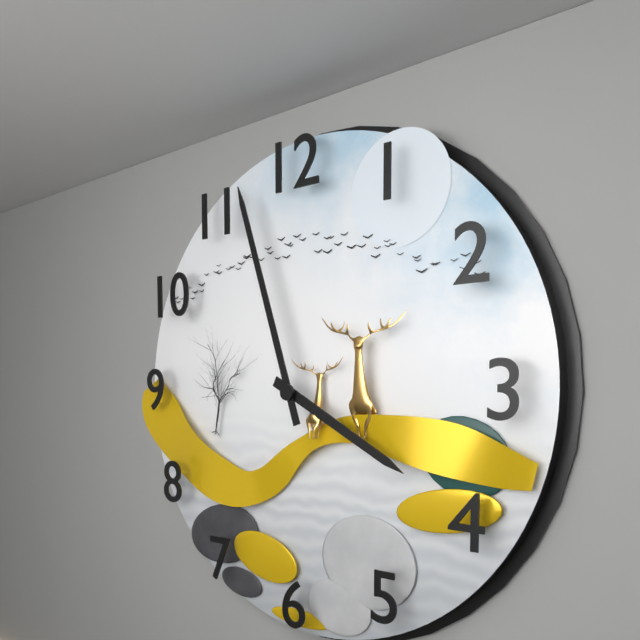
{"hour": 3, "minute": 57}
